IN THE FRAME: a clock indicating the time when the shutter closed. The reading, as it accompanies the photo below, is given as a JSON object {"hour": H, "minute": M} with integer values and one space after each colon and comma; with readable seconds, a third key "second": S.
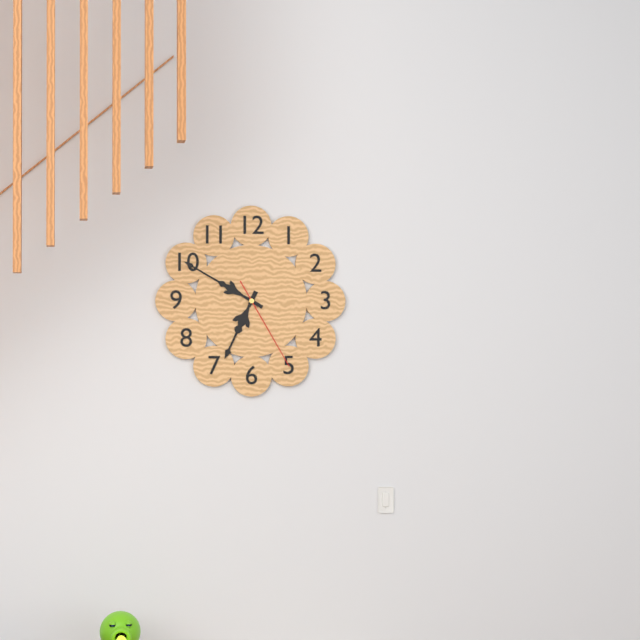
{"hour": 6, "minute": 50, "second": 25}
